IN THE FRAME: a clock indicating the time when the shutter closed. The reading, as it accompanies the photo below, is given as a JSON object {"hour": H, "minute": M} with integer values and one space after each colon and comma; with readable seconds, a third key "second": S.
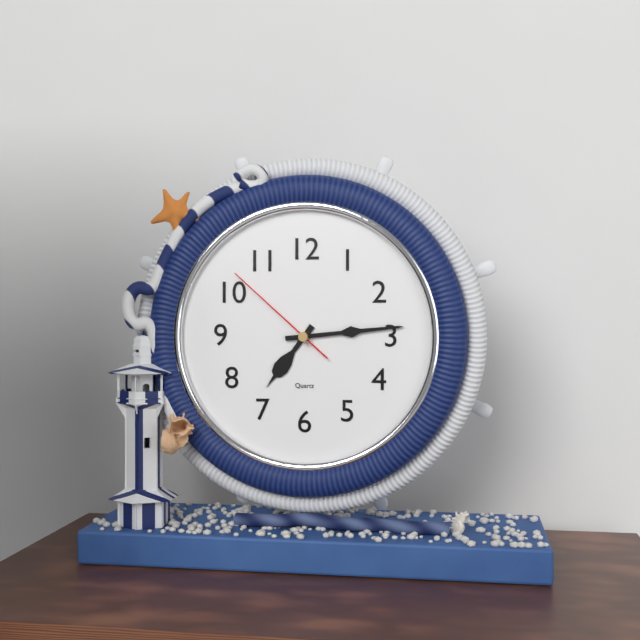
{"hour": 7, "minute": 14, "second": 52}
